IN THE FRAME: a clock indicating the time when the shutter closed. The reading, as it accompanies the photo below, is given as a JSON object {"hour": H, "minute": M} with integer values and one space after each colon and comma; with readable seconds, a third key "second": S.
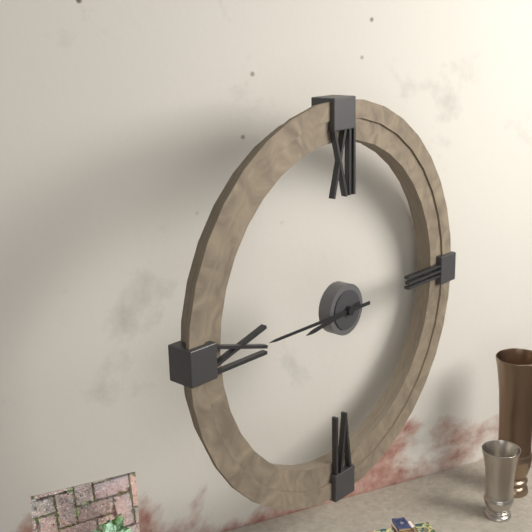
{"hour": 8, "minute": 45}
